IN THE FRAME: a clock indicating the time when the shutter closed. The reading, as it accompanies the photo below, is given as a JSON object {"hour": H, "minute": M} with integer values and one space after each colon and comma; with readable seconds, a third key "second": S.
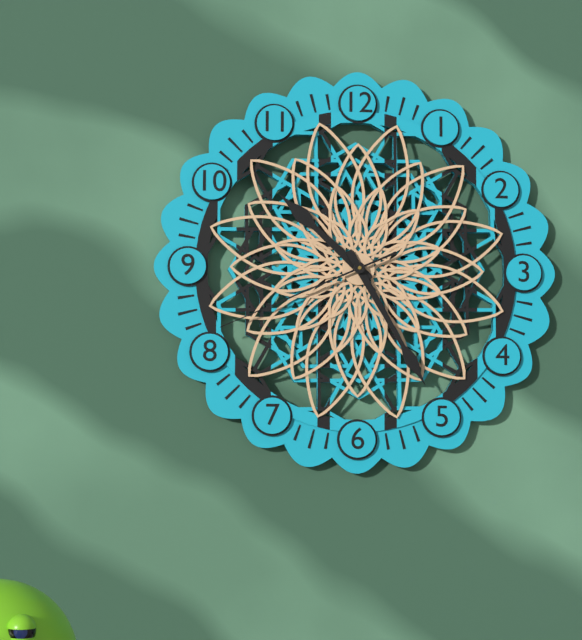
{"hour": 10, "minute": 25, "second": 41}
